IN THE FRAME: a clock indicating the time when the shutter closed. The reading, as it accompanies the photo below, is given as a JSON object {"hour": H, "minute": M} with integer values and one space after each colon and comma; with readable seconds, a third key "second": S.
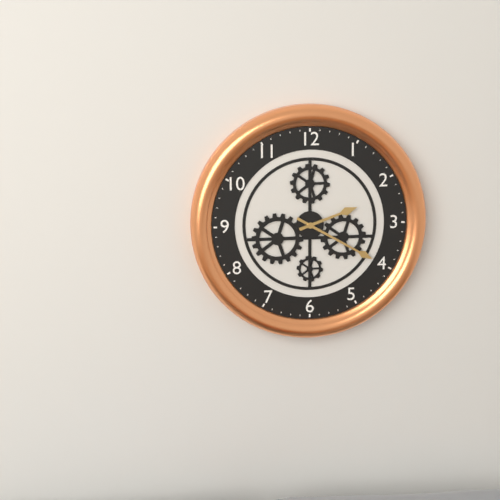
{"hour": 2, "minute": 20}
